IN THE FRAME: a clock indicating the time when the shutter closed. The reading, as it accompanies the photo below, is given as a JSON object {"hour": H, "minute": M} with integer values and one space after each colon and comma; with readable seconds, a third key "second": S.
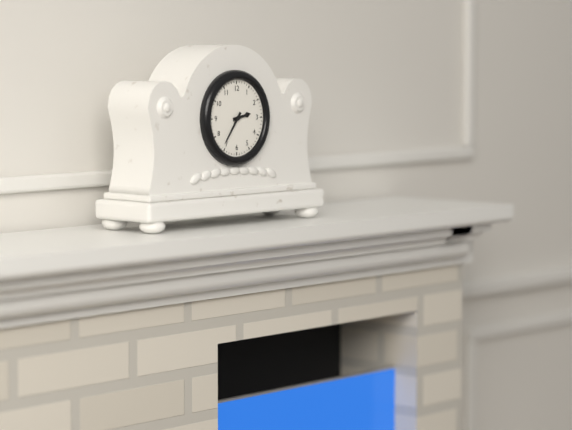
{"hour": 2, "minute": 36}
